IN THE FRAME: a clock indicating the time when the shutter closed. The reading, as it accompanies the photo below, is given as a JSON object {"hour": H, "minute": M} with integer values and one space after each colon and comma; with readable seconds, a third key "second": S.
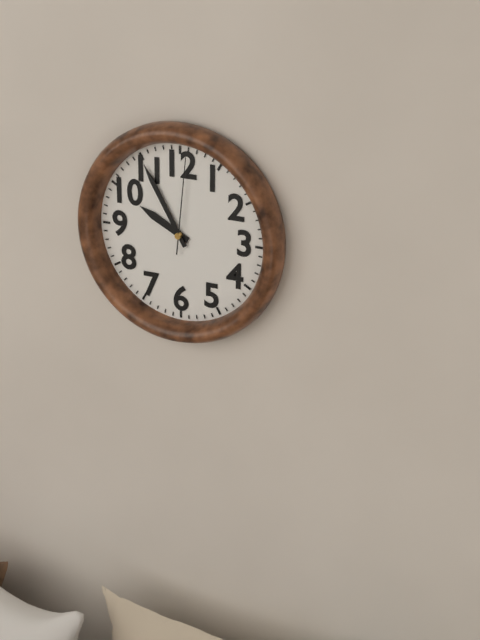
{"hour": 9, "minute": 55, "second": 1}
